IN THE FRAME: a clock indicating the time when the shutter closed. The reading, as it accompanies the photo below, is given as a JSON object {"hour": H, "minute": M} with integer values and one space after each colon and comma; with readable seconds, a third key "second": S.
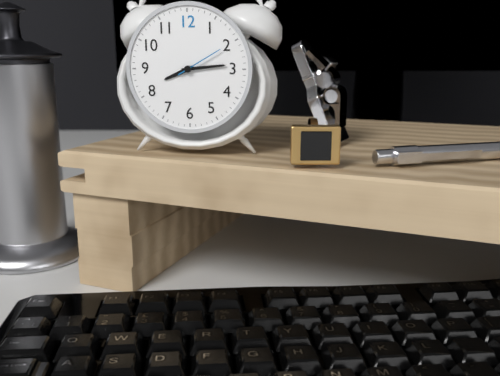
{"hour": 8, "minute": 14, "second": 10}
